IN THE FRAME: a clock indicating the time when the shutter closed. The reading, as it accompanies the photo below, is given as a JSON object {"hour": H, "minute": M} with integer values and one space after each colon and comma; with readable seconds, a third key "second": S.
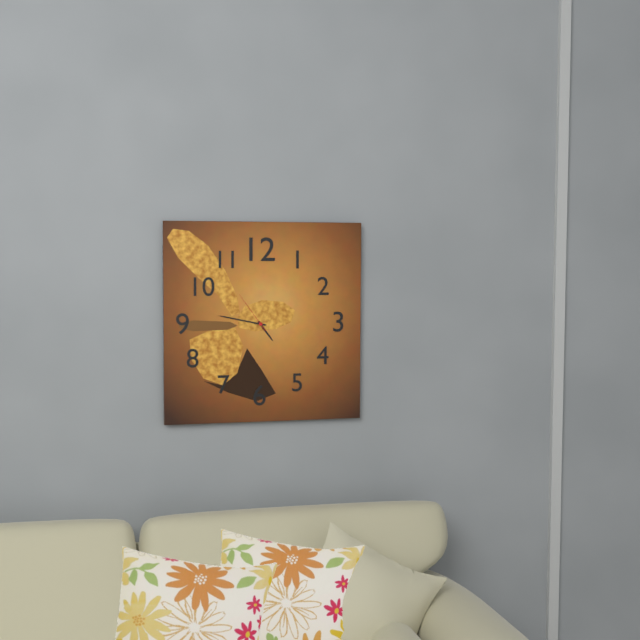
{"hour": 4, "minute": 47}
